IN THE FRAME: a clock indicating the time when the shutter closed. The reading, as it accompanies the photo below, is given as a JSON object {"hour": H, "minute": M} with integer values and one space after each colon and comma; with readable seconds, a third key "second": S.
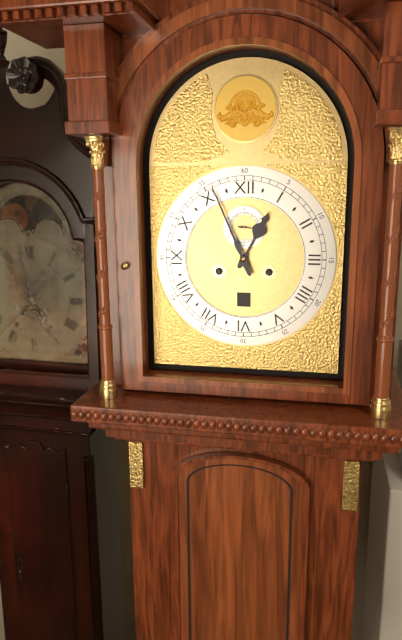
{"hour": 12, "minute": 56}
